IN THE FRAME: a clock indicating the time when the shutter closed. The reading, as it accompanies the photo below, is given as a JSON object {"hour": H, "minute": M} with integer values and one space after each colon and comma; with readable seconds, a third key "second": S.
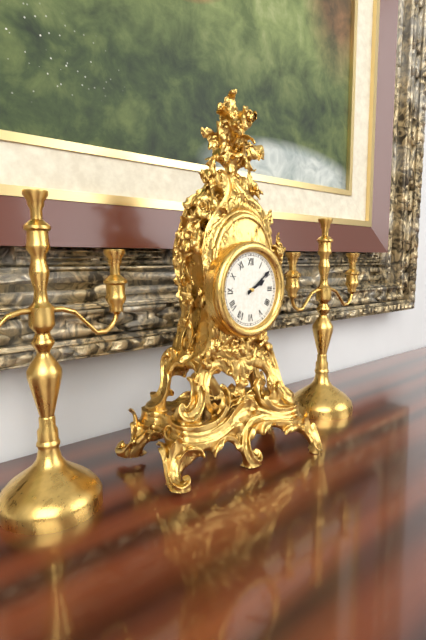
{"hour": 2, "minute": 9}
